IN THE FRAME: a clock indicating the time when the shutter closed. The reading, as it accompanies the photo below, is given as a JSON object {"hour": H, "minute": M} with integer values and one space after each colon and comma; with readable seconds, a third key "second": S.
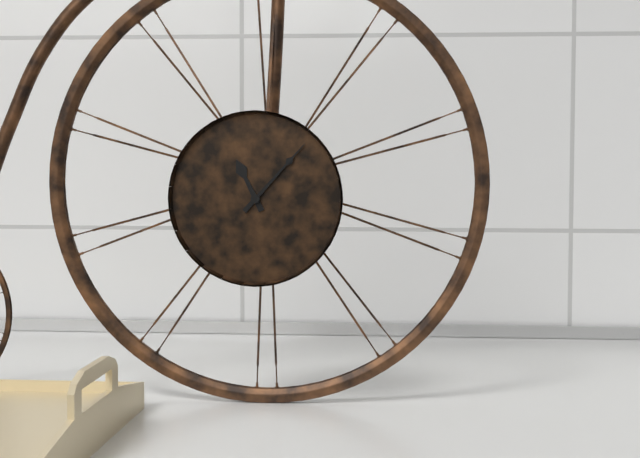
{"hour": 11, "minute": 7}
